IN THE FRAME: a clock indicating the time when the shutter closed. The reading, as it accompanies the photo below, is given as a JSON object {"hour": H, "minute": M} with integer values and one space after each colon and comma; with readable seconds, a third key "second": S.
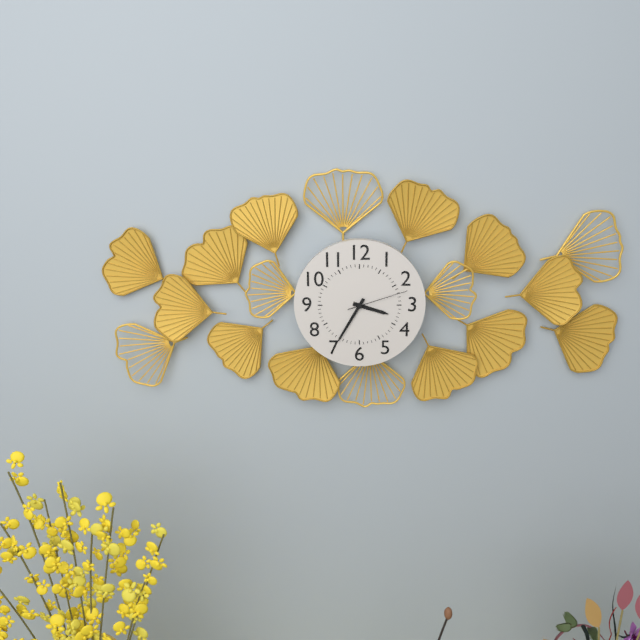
{"hour": 3, "minute": 35, "second": 12}
